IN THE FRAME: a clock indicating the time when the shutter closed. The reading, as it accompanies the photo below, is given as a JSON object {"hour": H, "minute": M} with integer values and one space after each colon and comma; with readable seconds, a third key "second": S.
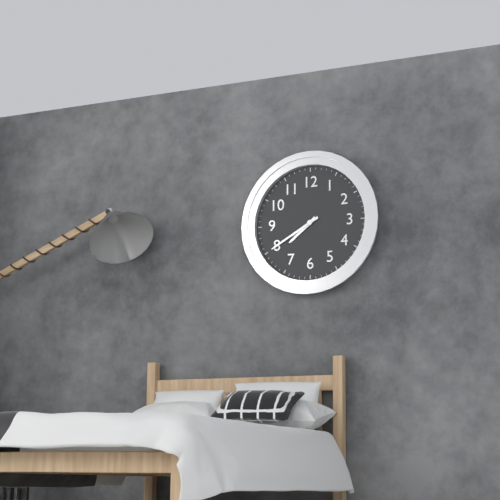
{"hour": 7, "minute": 40}
